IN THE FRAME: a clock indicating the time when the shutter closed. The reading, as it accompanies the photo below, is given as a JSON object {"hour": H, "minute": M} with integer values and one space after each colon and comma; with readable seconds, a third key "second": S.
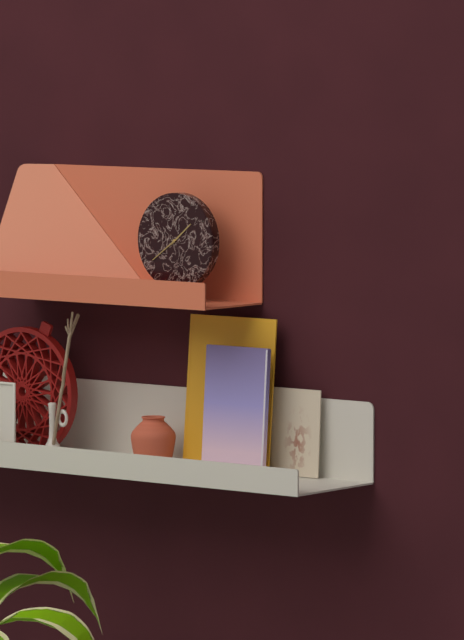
{"hour": 1, "minute": 39}
